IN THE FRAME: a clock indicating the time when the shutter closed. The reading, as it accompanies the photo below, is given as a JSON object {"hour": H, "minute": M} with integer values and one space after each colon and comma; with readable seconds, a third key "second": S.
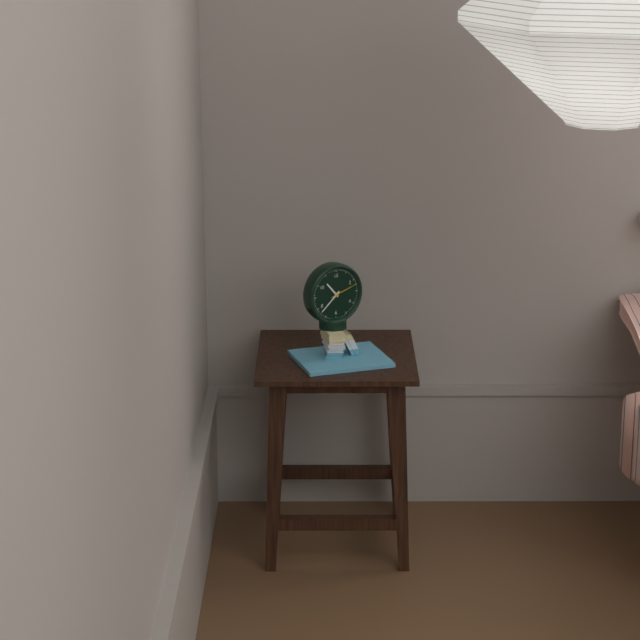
{"hour": 10, "minute": 38}
